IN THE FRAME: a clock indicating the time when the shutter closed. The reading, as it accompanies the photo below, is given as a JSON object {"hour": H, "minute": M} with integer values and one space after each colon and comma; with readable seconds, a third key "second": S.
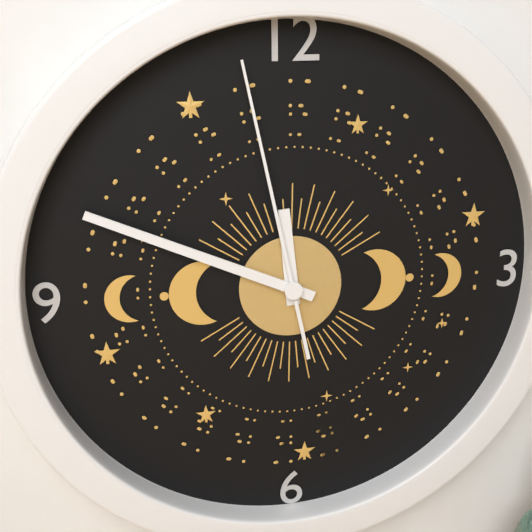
{"hour": 11, "minute": 49, "second": 58}
